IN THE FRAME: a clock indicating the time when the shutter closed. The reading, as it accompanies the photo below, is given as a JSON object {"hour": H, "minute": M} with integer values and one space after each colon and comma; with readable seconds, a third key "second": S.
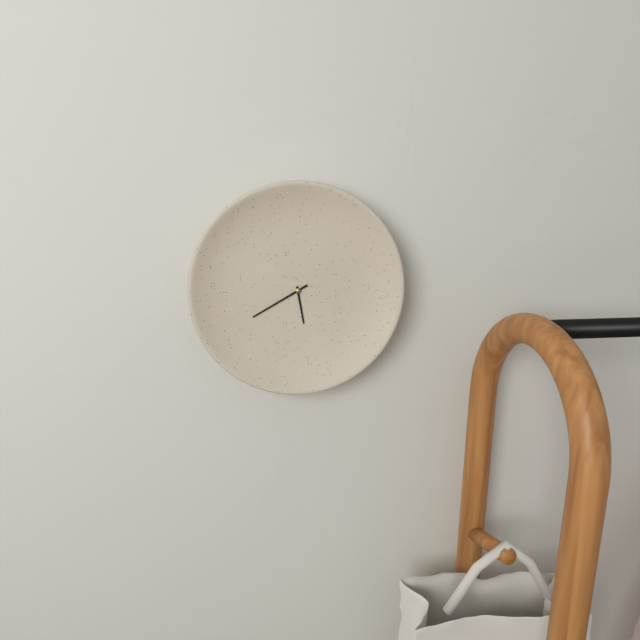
{"hour": 5, "minute": 40}
